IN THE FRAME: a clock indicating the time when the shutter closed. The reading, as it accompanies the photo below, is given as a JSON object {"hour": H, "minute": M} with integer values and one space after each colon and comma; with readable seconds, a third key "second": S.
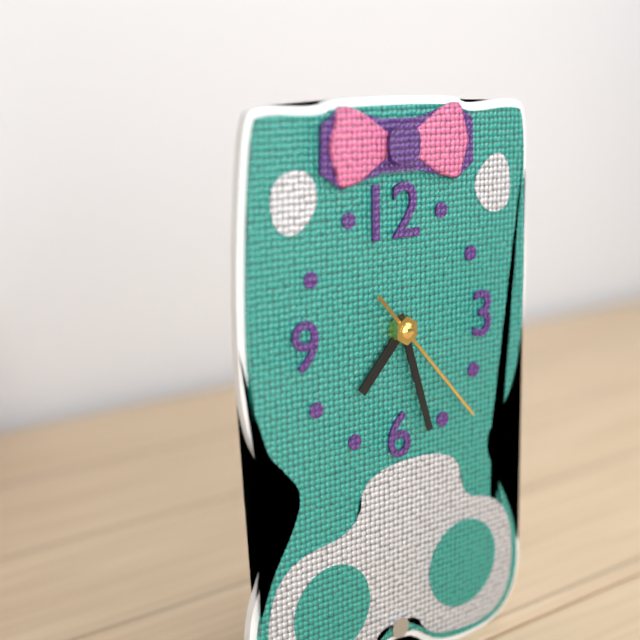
{"hour": 7, "minute": 27, "second": 23}
